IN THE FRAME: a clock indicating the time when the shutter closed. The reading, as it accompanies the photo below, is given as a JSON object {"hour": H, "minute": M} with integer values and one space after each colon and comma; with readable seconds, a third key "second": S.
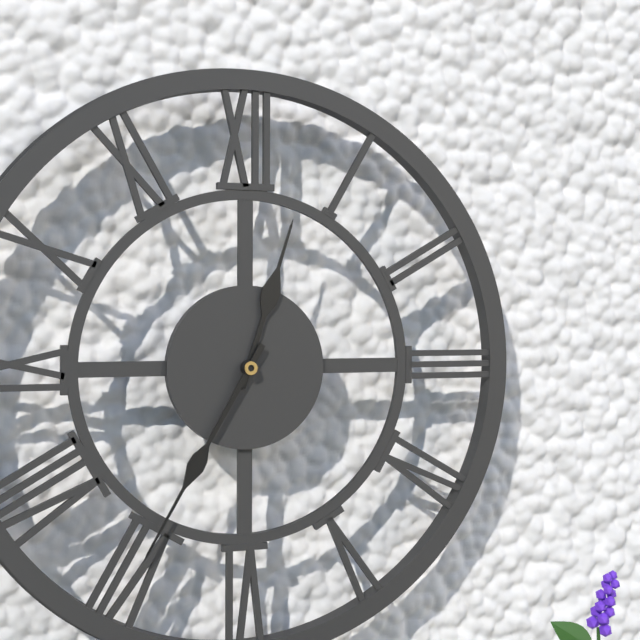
{"hour": 12, "minute": 35}
